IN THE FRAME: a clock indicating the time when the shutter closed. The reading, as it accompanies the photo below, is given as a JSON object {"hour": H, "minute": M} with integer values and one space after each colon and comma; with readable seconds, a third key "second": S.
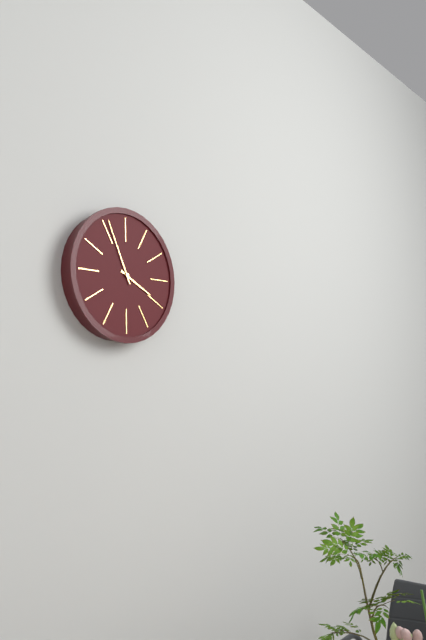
{"hour": 3, "minute": 56}
